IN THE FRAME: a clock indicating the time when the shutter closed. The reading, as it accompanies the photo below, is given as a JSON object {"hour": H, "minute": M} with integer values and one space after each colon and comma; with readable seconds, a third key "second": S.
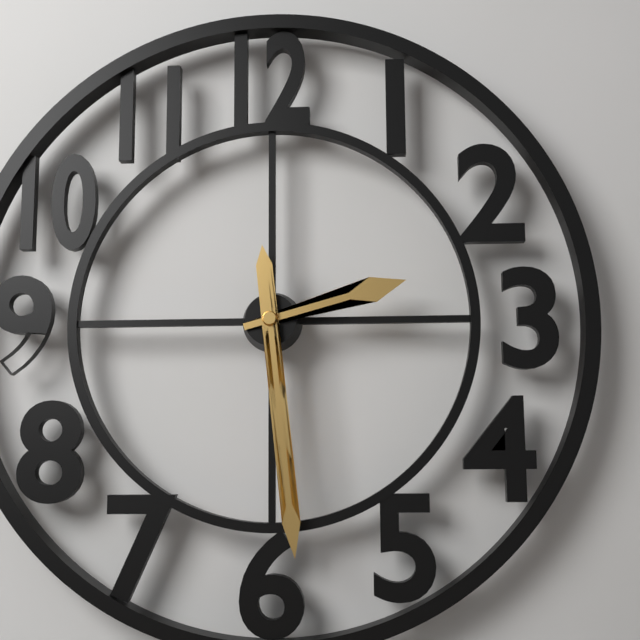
{"hour": 2, "minute": 29}
